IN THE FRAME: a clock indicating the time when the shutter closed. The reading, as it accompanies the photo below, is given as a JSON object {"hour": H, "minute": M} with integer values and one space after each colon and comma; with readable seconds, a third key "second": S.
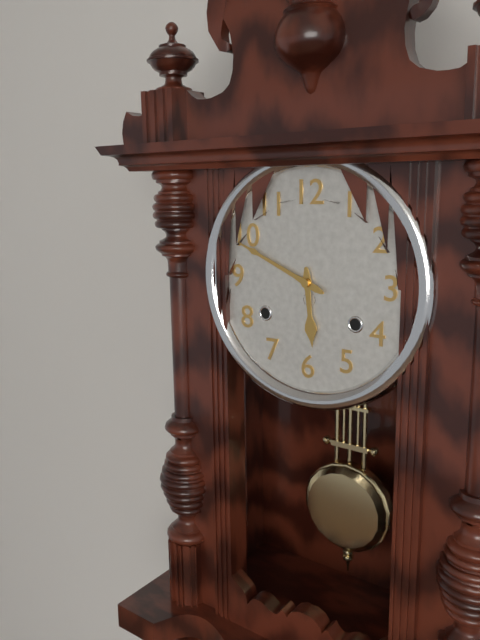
{"hour": 5, "minute": 49}
